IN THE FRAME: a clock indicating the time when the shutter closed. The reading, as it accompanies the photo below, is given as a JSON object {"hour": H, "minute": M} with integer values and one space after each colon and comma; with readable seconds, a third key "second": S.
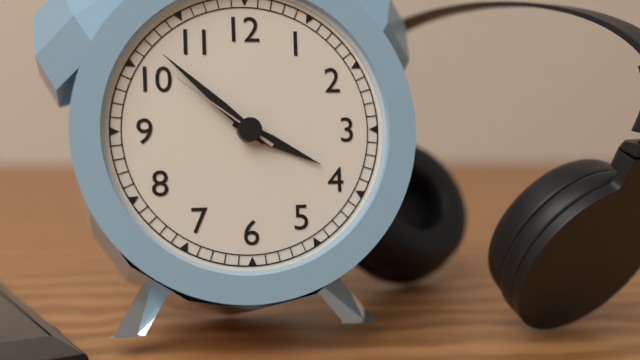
{"hour": 3, "minute": 52, "second": 51}
